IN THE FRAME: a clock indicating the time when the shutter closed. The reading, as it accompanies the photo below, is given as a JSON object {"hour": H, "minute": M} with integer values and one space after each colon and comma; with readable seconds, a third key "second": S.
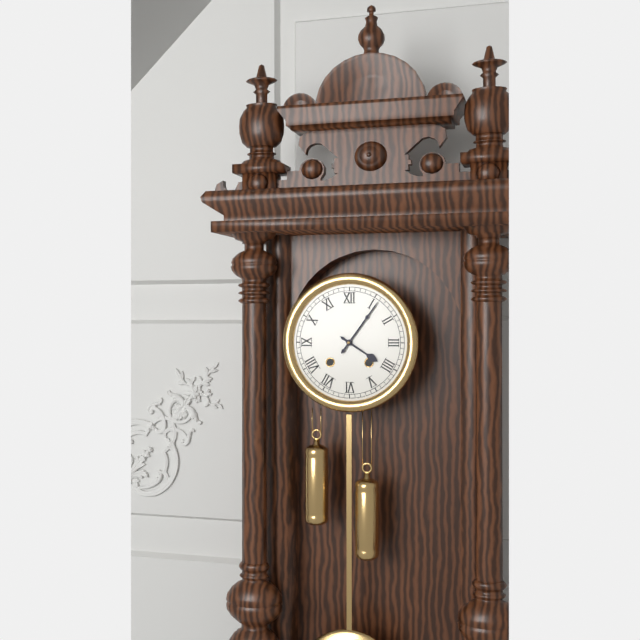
{"hour": 4, "minute": 6}
